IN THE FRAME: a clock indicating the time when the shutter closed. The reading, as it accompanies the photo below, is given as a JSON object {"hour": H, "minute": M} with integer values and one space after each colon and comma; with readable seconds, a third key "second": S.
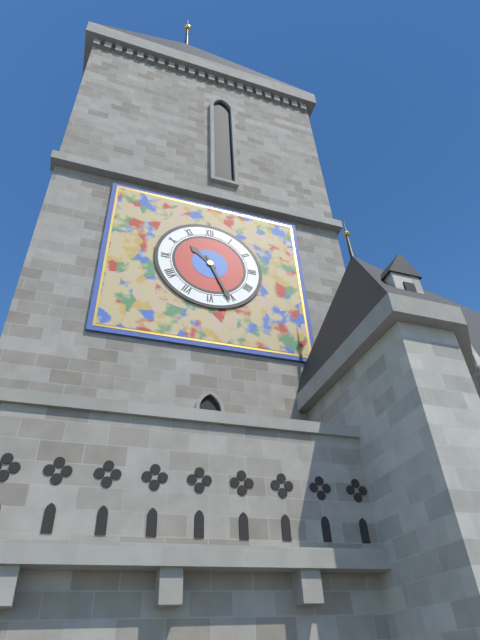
{"hour": 10, "minute": 26}
